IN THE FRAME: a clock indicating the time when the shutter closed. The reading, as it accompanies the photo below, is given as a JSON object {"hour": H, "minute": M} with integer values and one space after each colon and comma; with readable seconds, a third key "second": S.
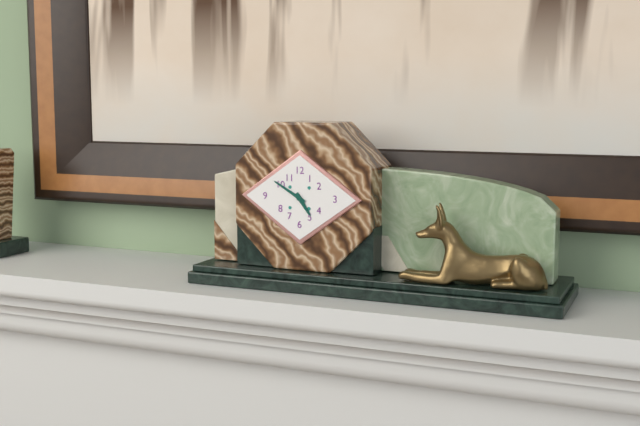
{"hour": 4, "minute": 50}
